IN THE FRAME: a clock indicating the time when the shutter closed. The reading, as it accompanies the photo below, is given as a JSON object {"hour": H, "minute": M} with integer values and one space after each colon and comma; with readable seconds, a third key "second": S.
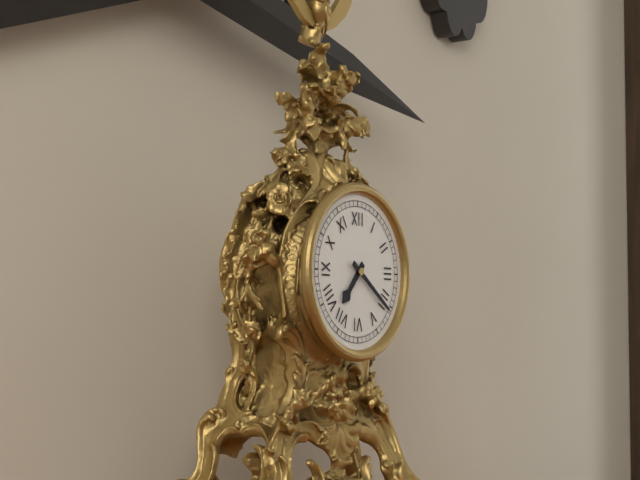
{"hour": 7, "minute": 21}
